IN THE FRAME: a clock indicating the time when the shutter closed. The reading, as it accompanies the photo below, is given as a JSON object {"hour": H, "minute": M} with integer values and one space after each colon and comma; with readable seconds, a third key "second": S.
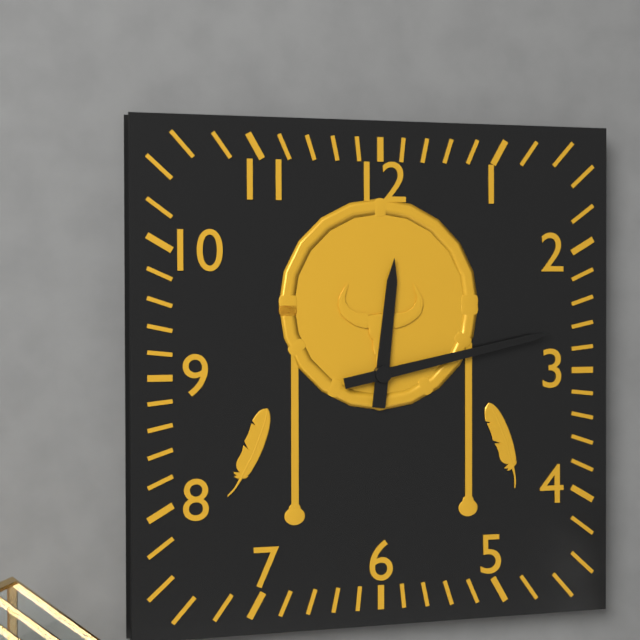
{"hour": 12, "minute": 13}
